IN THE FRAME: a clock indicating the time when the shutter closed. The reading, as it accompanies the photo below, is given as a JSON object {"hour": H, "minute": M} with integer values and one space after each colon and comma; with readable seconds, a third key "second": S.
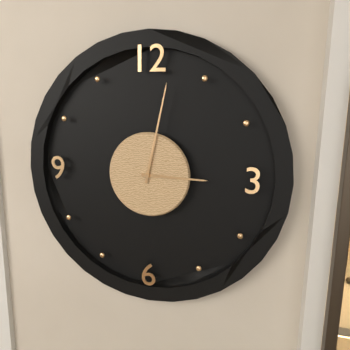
{"hour": 3, "minute": 2}
